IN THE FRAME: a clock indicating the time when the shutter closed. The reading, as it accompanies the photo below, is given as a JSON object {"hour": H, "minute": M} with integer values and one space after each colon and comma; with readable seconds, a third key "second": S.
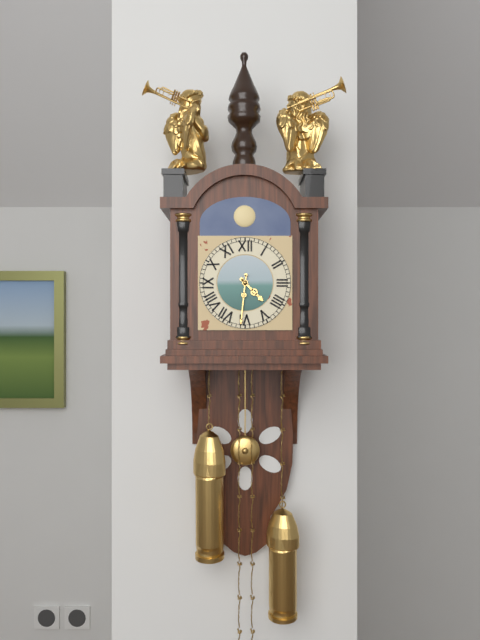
{"hour": 4, "minute": 31}
